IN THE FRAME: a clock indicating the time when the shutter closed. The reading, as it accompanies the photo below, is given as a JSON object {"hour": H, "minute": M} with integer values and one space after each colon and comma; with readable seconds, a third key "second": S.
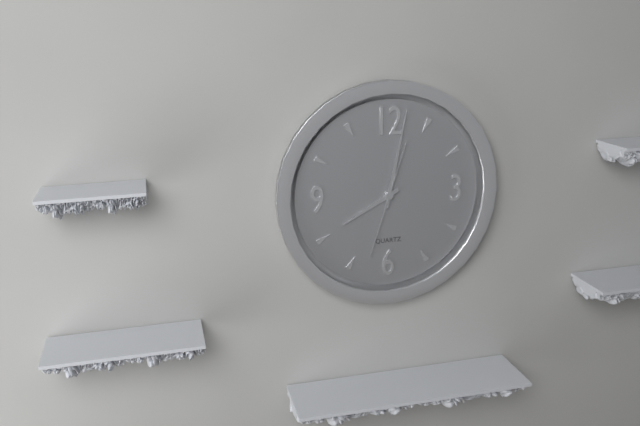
{"hour": 8, "minute": 2, "second": 33}
